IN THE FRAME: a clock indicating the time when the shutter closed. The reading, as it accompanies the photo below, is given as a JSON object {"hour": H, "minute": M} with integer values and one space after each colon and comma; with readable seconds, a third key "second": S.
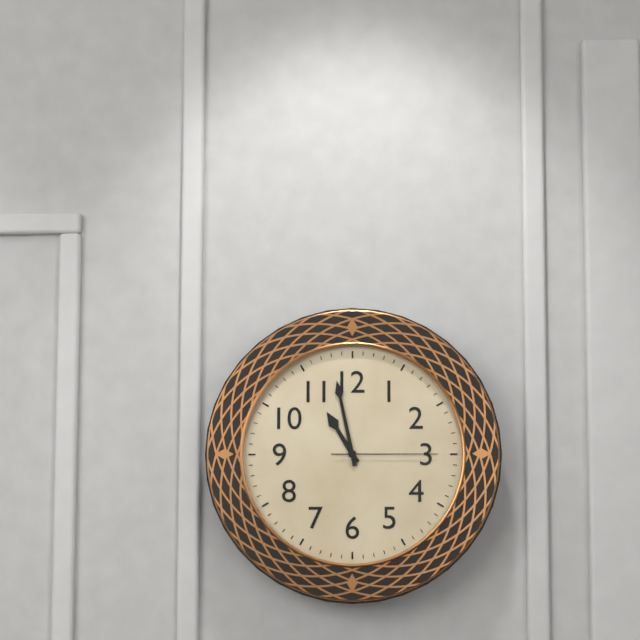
{"hour": 10, "minute": 58, "second": 15}
